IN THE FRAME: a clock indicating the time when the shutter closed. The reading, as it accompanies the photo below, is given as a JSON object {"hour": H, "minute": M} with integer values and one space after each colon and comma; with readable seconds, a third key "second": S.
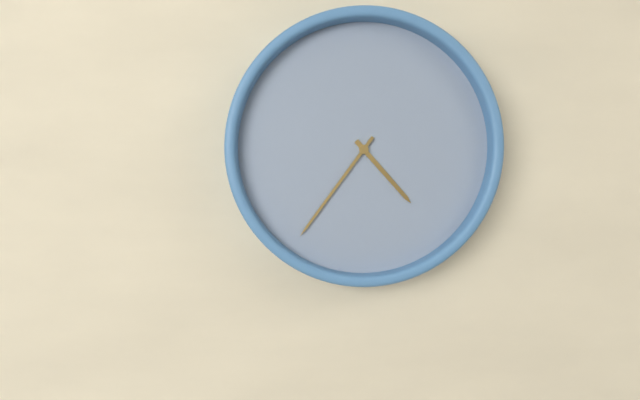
{"hour": 4, "minute": 36}
